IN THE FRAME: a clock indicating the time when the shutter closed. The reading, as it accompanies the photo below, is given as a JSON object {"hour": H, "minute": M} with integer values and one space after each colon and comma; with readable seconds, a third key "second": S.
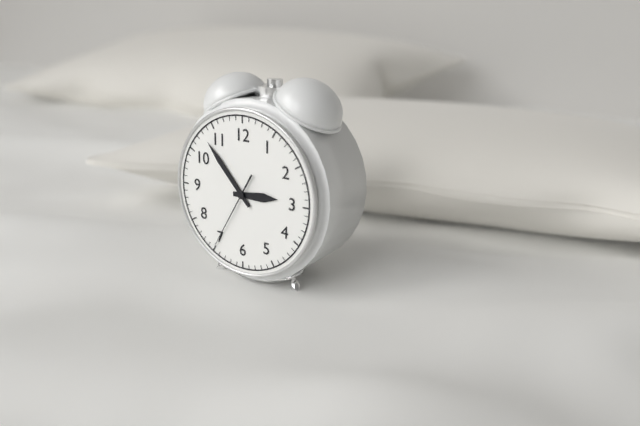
{"hour": 2, "minute": 53, "second": 35}
